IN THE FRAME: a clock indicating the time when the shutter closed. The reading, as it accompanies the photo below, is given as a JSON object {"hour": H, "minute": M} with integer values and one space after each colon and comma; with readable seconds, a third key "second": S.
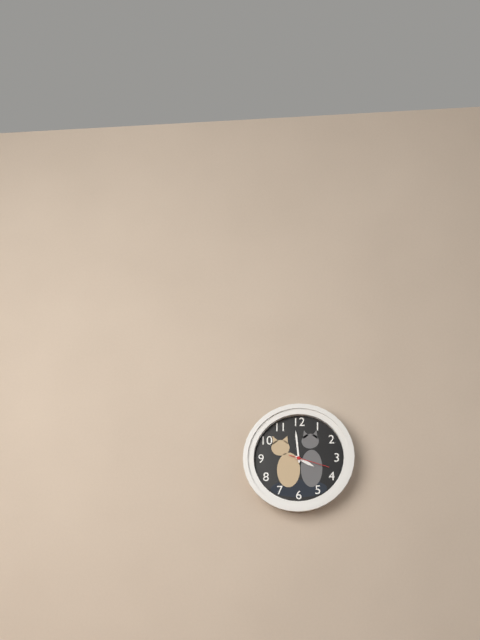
{"hour": 3, "minute": 59}
